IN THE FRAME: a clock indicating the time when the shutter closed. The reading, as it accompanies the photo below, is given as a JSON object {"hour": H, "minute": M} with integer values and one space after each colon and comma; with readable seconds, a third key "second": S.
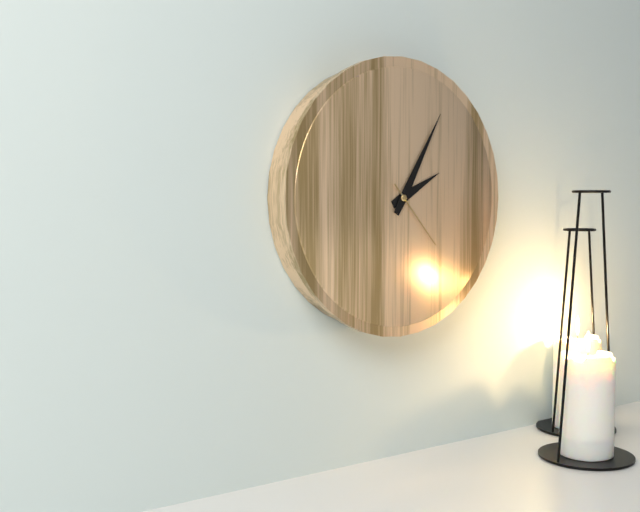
{"hour": 2, "minute": 5, "second": 23}
